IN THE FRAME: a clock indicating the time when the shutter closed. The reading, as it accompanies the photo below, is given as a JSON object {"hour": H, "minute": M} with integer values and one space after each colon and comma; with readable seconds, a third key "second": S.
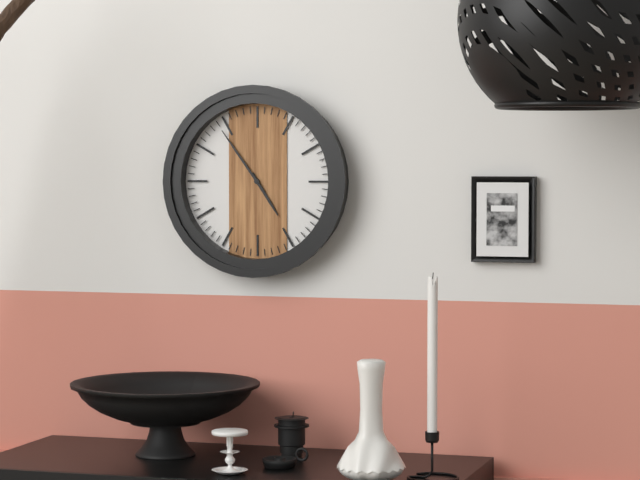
{"hour": 4, "minute": 54}
